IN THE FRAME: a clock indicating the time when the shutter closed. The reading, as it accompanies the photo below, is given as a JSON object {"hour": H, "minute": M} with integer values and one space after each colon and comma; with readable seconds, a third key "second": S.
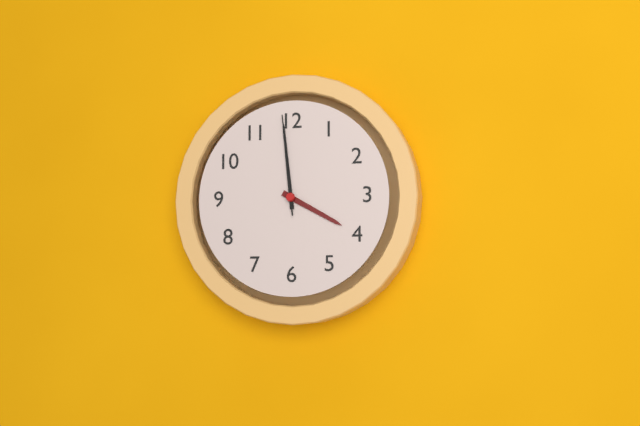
{"hour": 3, "minute": 59, "second": 59}
